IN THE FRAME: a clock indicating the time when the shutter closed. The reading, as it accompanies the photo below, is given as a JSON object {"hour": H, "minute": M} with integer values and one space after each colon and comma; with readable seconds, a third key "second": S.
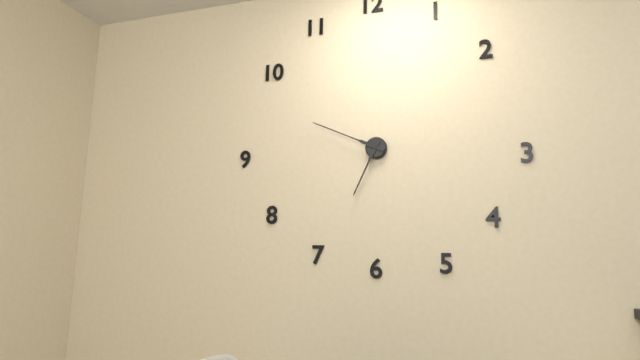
{"hour": 6, "minute": 49}
